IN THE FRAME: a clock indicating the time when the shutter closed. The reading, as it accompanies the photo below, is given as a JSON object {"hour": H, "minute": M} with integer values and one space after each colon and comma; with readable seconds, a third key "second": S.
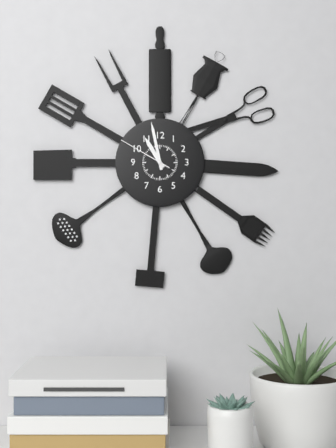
{"hour": 10, "minute": 58, "second": 50}
